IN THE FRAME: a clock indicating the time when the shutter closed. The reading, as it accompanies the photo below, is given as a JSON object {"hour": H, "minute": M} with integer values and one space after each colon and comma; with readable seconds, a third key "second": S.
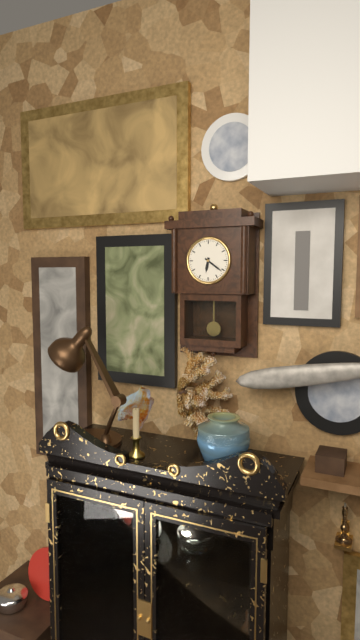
{"hour": 6, "minute": 21}
